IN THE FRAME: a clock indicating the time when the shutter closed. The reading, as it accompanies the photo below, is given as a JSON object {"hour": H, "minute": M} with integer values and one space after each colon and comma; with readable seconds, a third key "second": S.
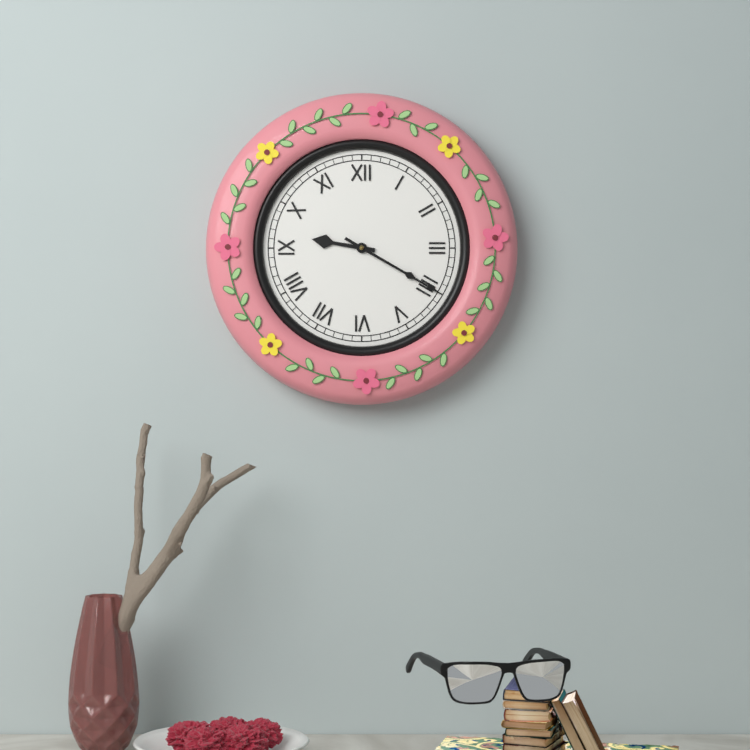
{"hour": 9, "minute": 20}
